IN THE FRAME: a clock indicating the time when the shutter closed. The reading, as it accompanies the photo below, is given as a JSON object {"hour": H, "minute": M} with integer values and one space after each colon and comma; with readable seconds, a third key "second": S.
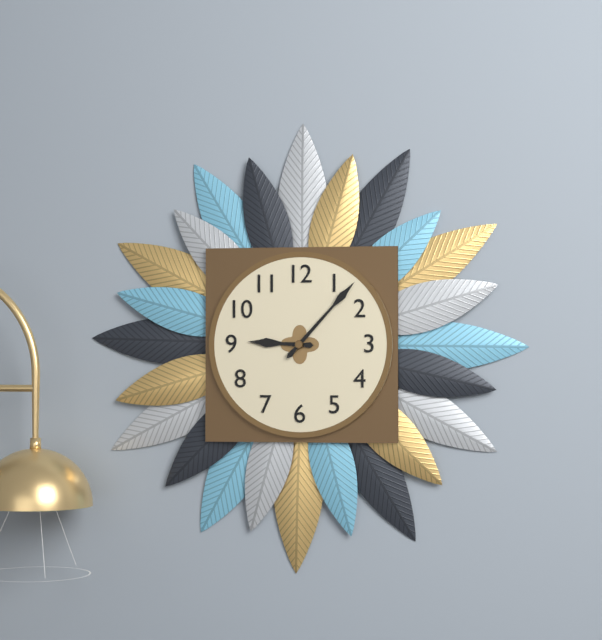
{"hour": 9, "minute": 7}
